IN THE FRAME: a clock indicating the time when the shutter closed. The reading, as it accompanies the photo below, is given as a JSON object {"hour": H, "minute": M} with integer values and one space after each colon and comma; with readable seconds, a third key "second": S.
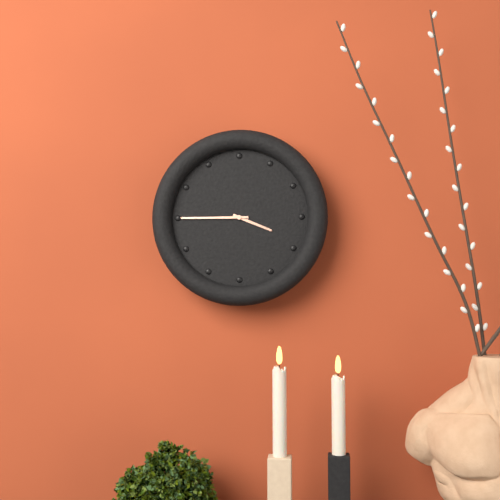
{"hour": 3, "minute": 45}
